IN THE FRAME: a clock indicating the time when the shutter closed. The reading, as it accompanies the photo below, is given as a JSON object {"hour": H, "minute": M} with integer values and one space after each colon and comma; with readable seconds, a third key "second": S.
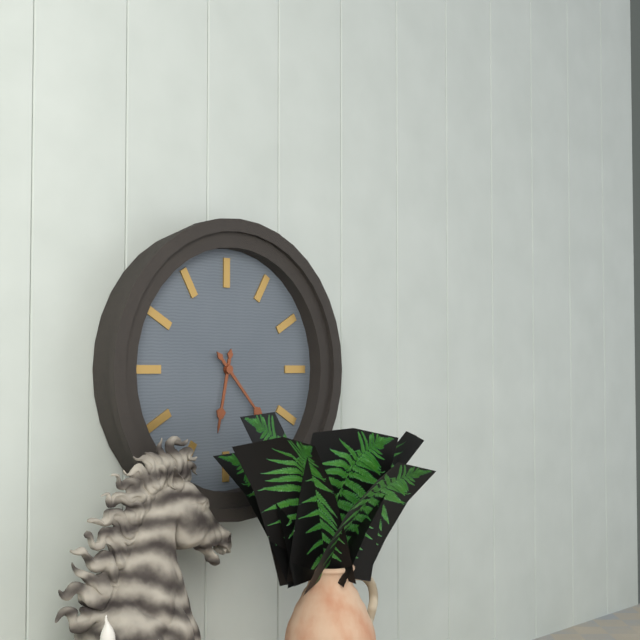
{"hour": 6, "minute": 23}
